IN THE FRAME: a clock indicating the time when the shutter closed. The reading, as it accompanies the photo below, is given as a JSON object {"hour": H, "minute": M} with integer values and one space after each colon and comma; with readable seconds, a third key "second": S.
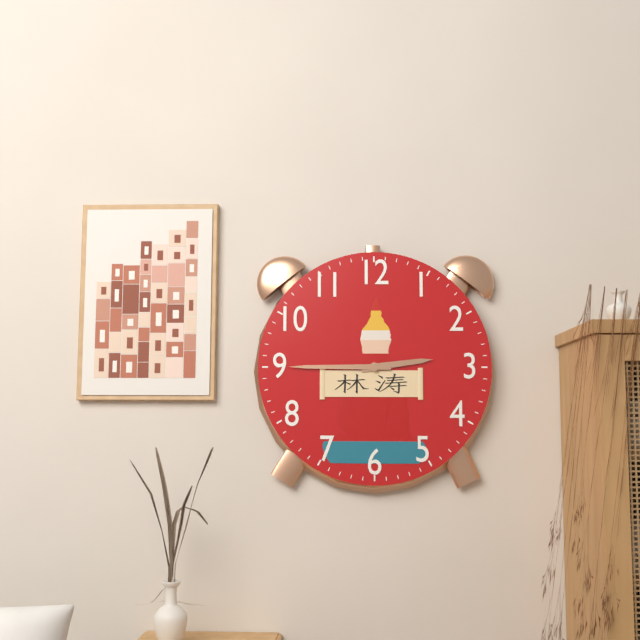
{"hour": 2, "minute": 45}
